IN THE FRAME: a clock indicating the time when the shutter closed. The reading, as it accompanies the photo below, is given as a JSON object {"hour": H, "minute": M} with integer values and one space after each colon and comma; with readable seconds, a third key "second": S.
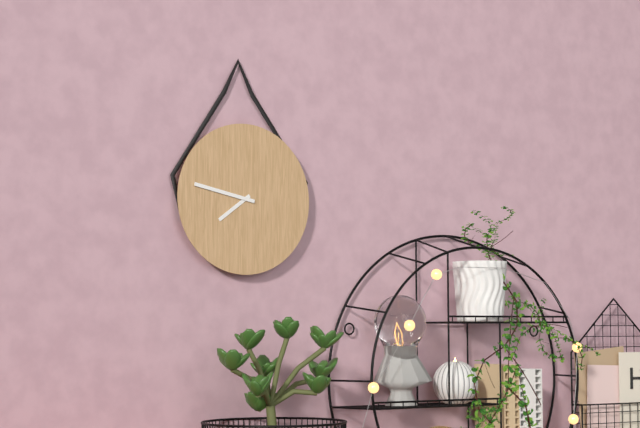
{"hour": 7, "minute": 47}
